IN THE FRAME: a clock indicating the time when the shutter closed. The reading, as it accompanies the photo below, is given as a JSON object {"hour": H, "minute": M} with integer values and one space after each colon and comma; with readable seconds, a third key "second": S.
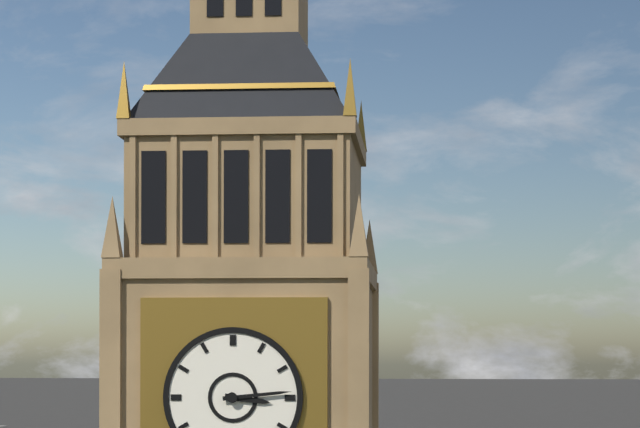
{"hour": 3, "minute": 14}
